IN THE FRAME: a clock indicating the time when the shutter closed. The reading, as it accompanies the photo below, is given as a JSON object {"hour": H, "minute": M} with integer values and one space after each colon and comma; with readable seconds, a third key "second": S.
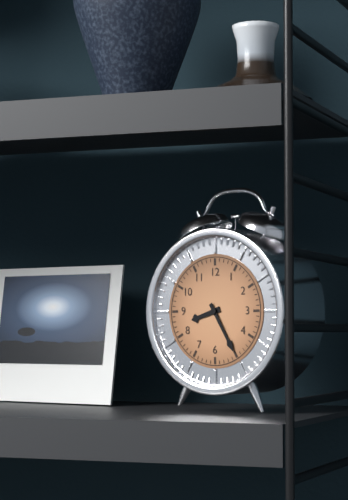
{"hour": 8, "minute": 25}
